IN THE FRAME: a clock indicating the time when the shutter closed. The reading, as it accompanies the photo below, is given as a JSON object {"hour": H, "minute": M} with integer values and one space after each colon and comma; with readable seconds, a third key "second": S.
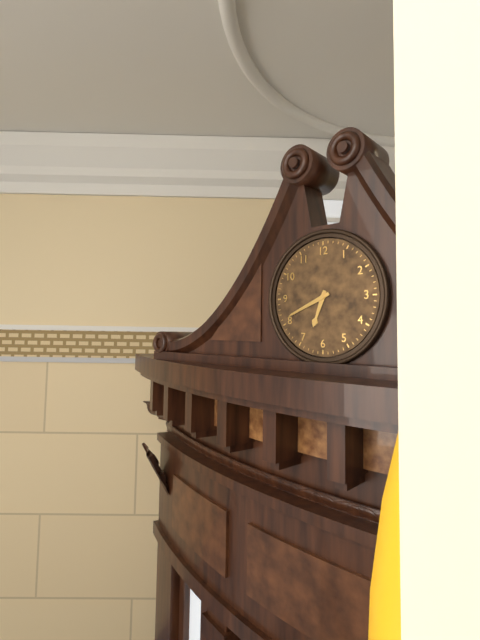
{"hour": 6, "minute": 41}
